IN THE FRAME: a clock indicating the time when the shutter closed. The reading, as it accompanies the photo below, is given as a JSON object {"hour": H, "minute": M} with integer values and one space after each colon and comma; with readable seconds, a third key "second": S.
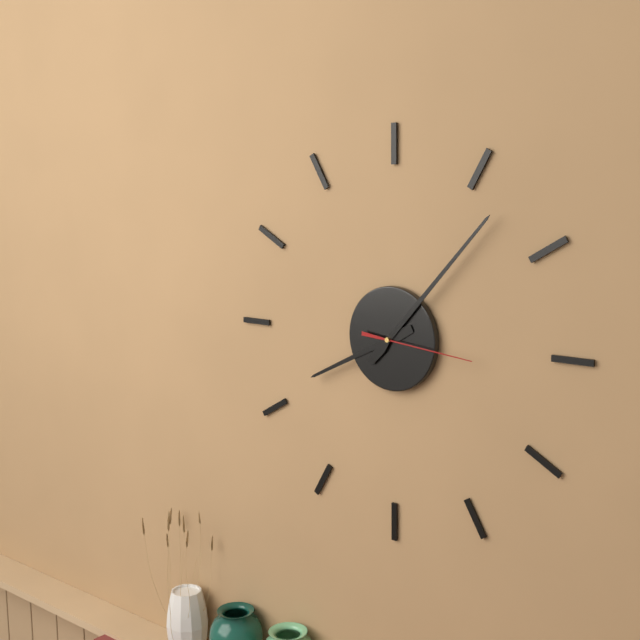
{"hour": 8, "minute": 7, "second": 16}
